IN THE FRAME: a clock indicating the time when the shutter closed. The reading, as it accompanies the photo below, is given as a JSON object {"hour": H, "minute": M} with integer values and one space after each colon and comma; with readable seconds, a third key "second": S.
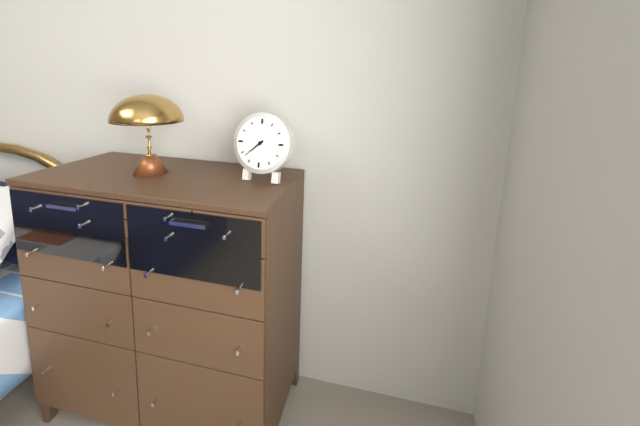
{"hour": 7, "minute": 38}
